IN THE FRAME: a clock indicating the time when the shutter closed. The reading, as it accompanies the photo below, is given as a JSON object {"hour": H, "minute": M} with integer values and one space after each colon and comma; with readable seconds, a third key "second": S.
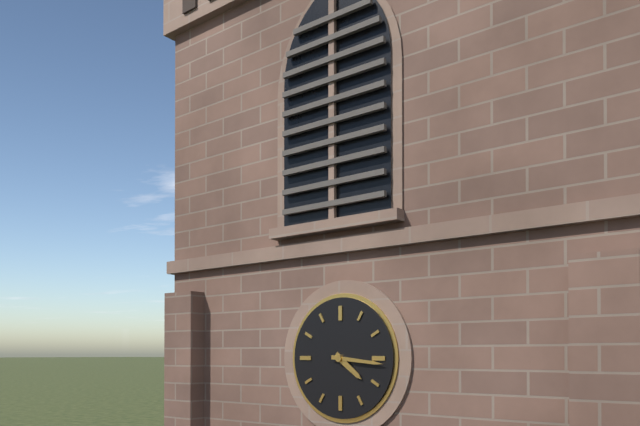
{"hour": 4, "minute": 16}
